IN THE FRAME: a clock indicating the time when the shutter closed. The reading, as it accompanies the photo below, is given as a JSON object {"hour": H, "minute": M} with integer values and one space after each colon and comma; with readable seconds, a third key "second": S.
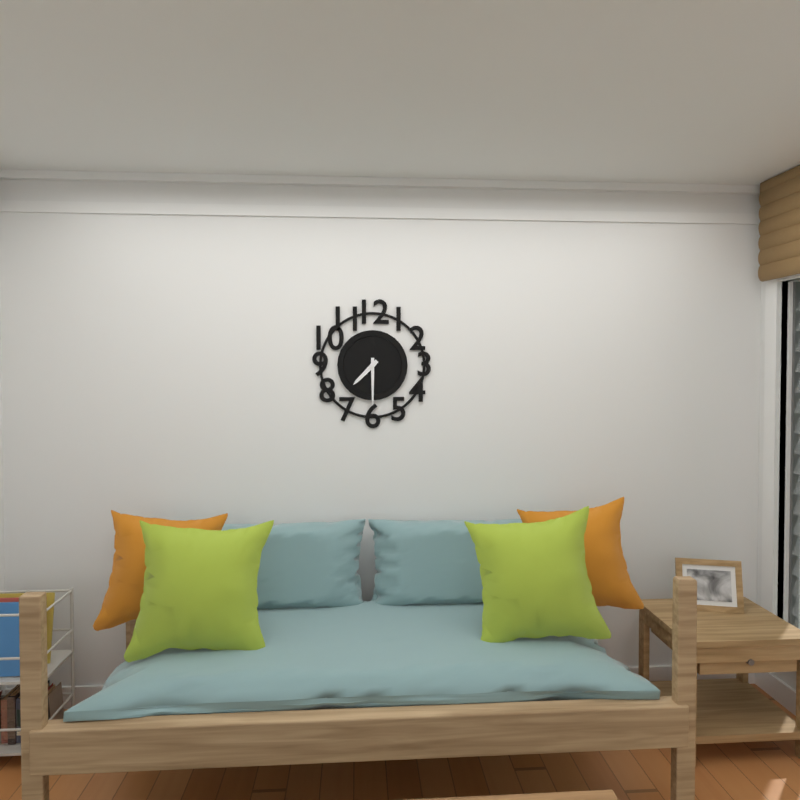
{"hour": 7, "minute": 30}
